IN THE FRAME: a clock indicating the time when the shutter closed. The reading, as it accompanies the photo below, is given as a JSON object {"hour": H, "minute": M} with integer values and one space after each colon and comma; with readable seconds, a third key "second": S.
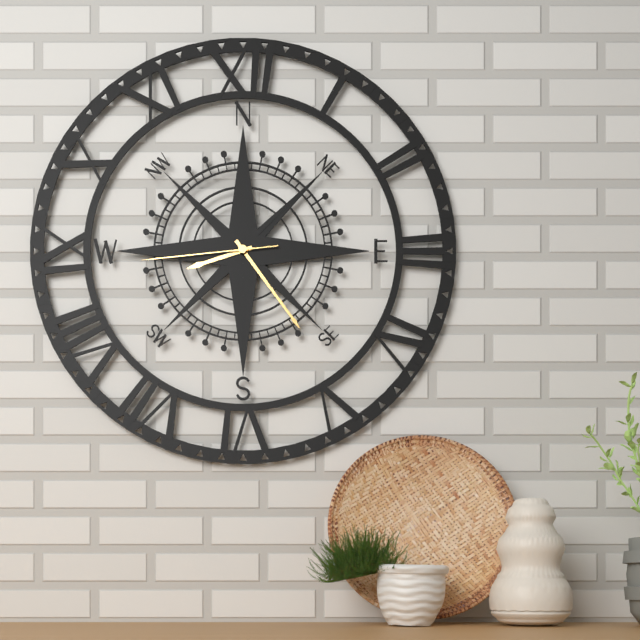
{"hour": 8, "minute": 24, "second": 44}
